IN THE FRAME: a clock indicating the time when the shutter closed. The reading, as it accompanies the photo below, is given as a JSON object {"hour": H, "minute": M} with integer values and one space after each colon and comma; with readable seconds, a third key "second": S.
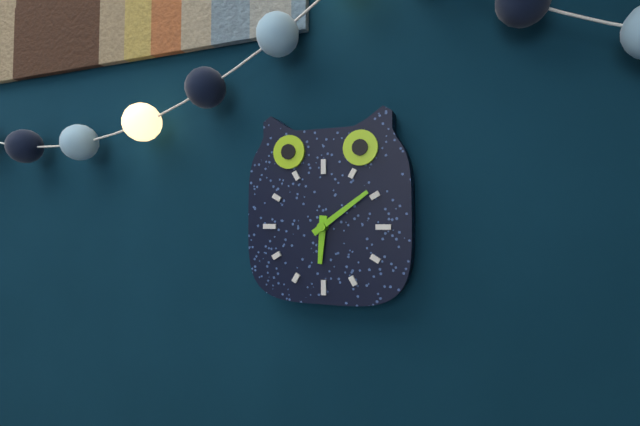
{"hour": 6, "minute": 9}
